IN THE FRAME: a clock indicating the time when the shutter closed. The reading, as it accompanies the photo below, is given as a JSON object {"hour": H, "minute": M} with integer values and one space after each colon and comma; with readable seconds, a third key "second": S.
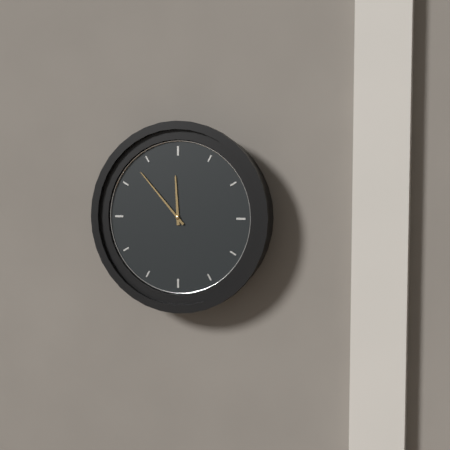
{"hour": 11, "minute": 53}
